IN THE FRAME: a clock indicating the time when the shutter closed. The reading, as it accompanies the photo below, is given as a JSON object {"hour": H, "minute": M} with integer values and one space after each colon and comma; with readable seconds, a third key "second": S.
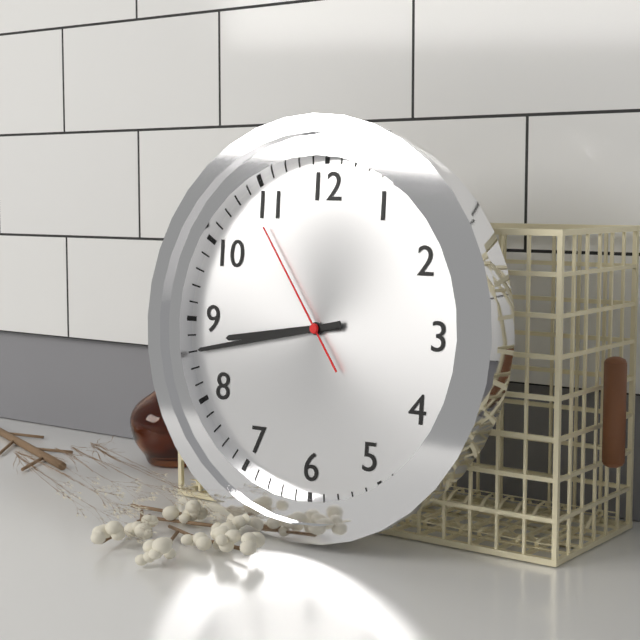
{"hour": 8, "minute": 43, "second": 54}
